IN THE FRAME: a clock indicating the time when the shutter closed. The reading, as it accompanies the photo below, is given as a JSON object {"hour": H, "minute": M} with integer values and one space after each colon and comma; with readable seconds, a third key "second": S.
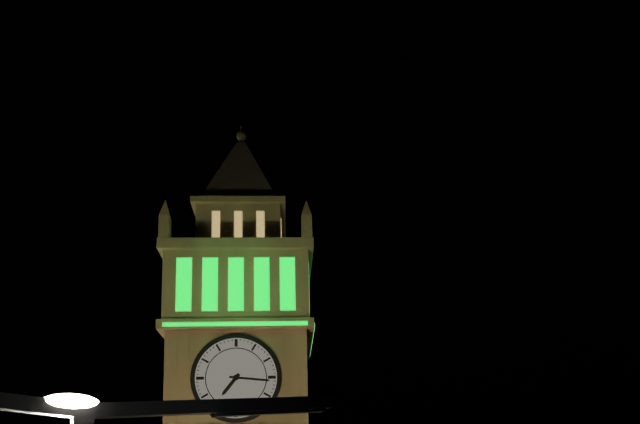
{"hour": 7, "minute": 16}
